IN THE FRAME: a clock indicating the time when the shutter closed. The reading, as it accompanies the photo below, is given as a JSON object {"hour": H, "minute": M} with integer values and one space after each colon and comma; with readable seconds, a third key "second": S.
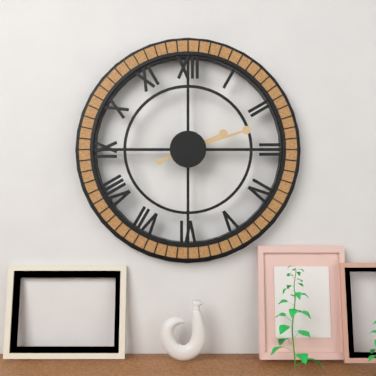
{"hour": 2, "minute": 12}
